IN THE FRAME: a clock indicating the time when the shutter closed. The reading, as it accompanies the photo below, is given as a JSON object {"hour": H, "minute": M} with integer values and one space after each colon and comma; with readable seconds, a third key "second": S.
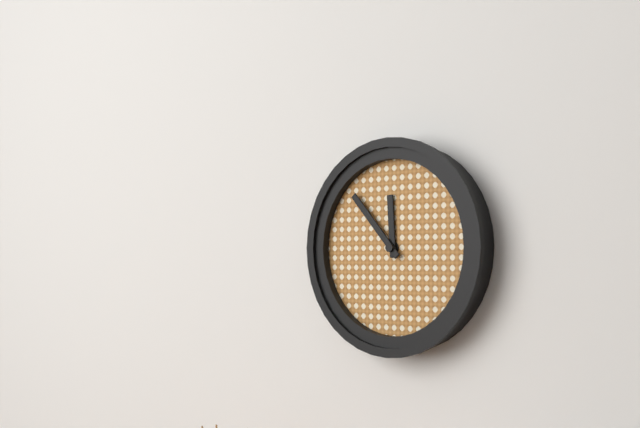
{"hour": 11, "minute": 53}
